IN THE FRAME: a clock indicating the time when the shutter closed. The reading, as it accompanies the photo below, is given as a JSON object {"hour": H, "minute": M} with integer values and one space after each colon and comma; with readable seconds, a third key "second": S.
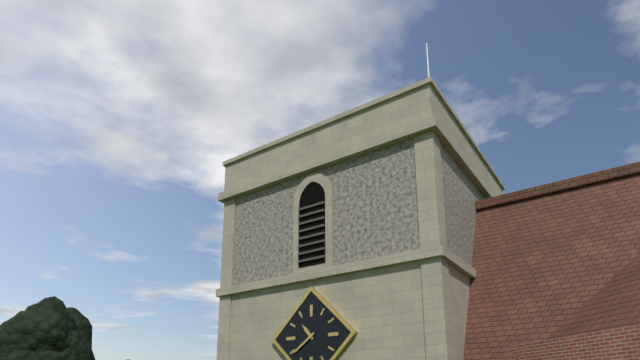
{"hour": 10, "minute": 39}
